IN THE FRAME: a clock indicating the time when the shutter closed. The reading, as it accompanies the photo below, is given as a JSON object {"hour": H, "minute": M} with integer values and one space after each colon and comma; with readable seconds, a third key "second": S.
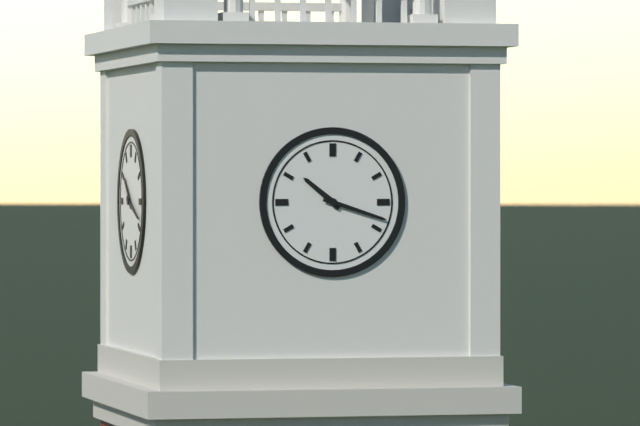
{"hour": 10, "minute": 18}
